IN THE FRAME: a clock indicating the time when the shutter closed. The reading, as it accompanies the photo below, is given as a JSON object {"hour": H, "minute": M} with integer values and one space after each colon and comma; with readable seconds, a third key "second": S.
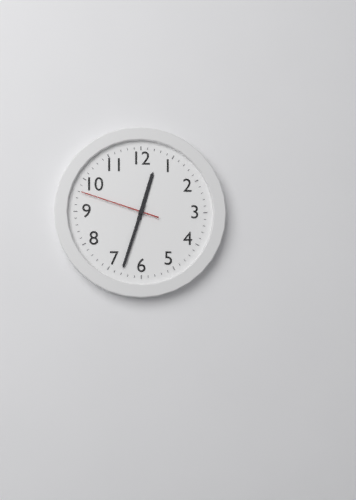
{"hour": 12, "minute": 33, "second": 48}
